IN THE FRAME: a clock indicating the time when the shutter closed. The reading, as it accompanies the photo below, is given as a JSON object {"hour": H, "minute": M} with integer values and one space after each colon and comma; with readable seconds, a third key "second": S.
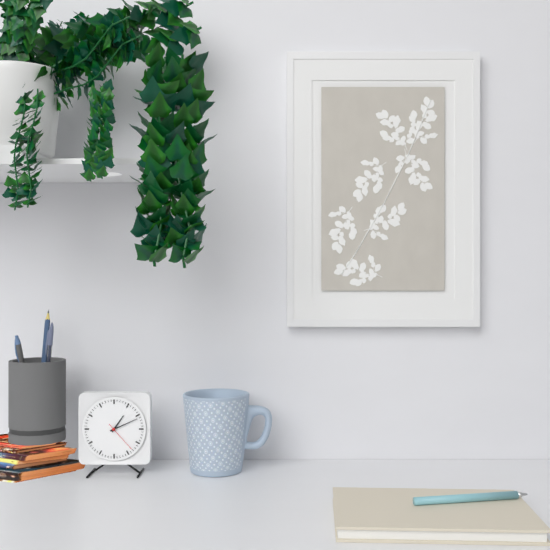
{"hour": 1, "minute": 11}
